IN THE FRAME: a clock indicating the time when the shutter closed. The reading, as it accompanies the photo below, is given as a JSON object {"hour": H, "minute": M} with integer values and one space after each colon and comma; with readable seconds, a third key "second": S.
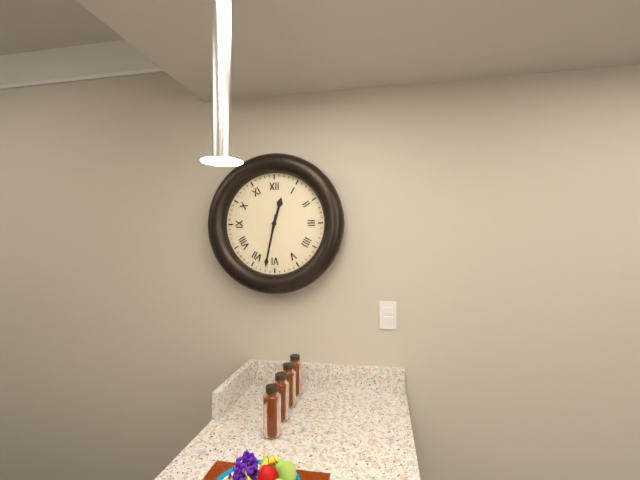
{"hour": 12, "minute": 32}
